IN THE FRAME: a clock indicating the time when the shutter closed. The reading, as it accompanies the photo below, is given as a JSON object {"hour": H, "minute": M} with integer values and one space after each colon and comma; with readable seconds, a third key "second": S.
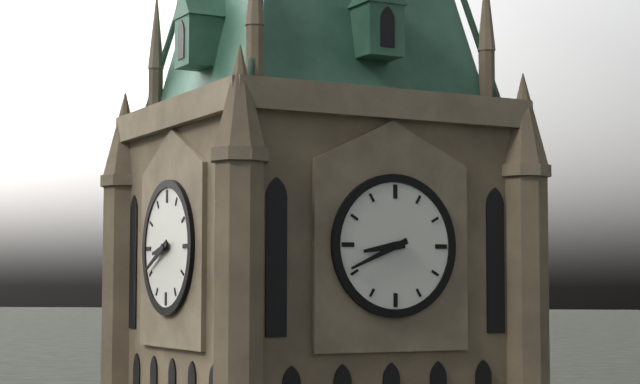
{"hour": 8, "minute": 41}
